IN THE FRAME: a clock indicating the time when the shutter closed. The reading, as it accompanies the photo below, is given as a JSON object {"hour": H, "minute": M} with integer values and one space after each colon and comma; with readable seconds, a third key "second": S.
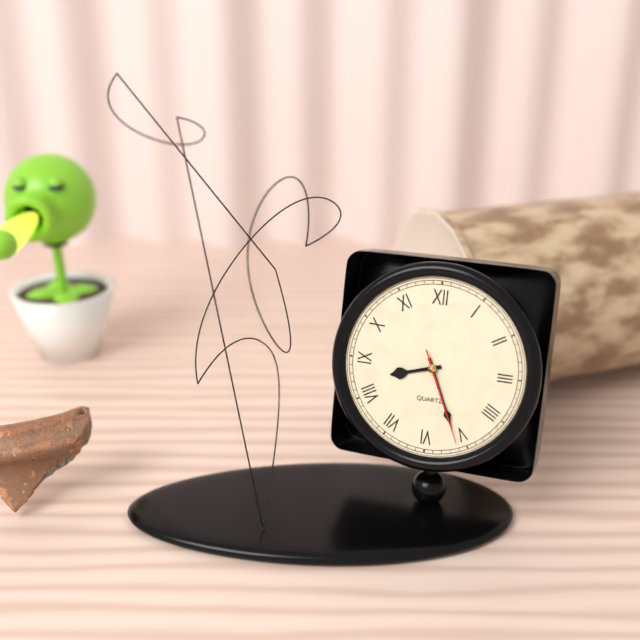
{"hour": 8, "minute": 26, "second": 26}
